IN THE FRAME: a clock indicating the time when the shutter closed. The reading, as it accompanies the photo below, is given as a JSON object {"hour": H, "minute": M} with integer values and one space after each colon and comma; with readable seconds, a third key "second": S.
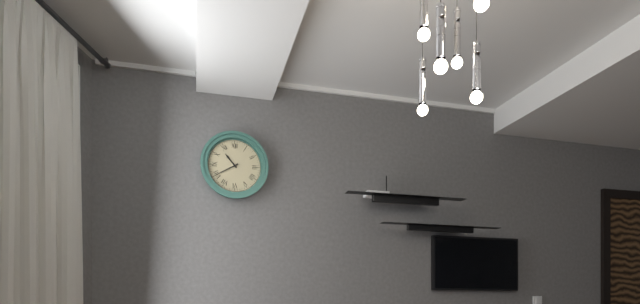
{"hour": 10, "minute": 40}
